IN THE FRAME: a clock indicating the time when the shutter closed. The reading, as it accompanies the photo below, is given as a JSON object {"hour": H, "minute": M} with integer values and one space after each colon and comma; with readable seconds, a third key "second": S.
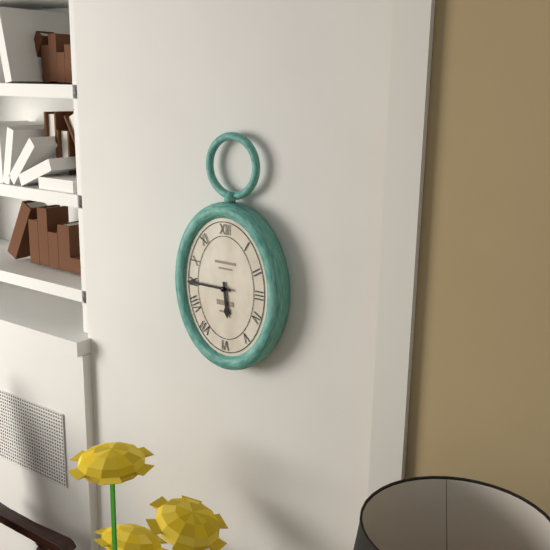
{"hour": 5, "minute": 45}
